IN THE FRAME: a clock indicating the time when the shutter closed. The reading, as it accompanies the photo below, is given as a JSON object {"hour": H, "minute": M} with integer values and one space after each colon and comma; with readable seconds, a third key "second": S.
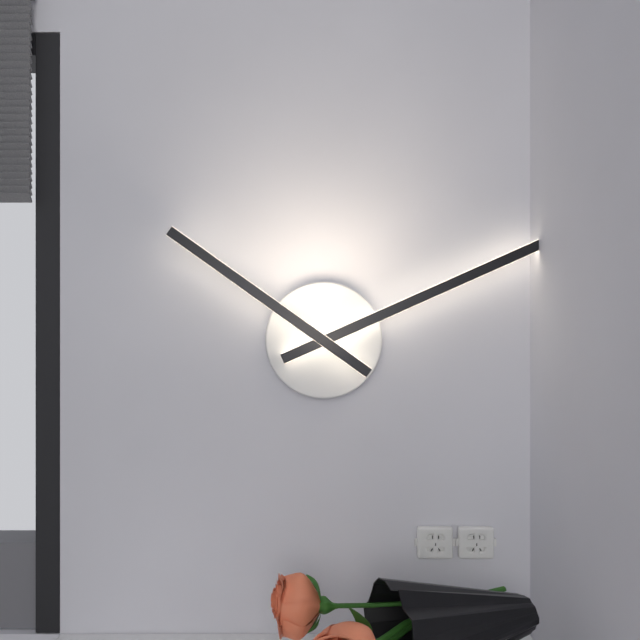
{"hour": 10, "minute": 11}
